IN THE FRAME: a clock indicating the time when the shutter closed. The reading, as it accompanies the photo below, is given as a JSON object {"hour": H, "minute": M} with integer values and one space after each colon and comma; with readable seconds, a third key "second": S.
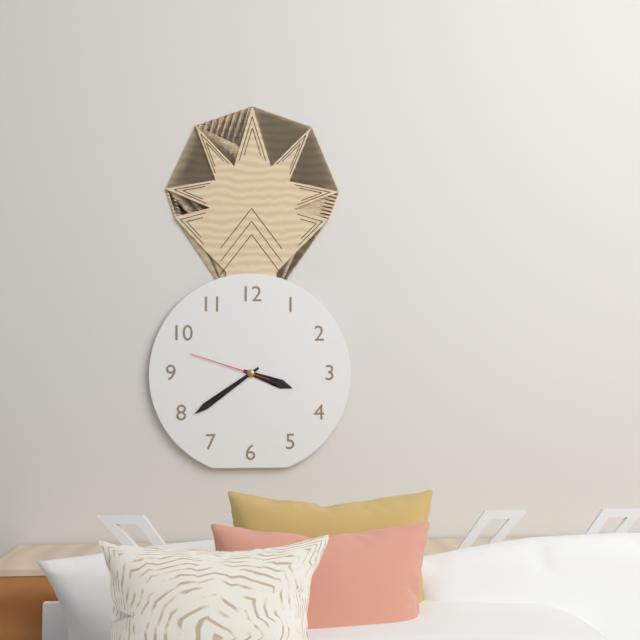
{"hour": 3, "minute": 39, "second": 48}
